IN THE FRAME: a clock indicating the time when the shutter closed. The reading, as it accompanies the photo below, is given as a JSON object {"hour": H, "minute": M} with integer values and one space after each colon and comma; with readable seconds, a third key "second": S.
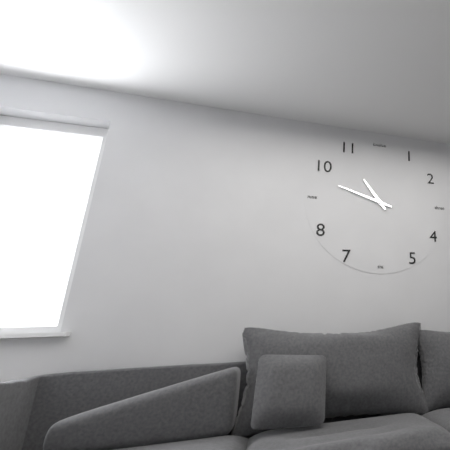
{"hour": 10, "minute": 48}
